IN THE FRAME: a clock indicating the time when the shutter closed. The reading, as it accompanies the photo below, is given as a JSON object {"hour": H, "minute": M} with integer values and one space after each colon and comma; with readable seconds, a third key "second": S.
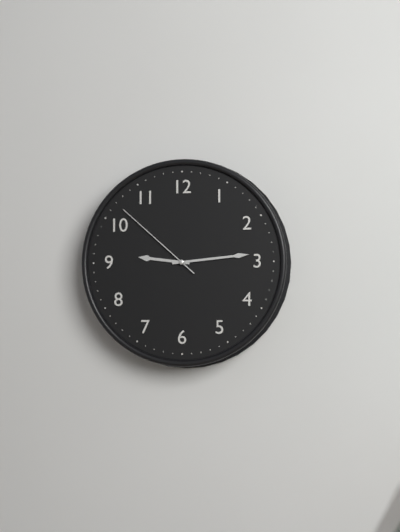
{"hour": 9, "minute": 14, "second": 52}
